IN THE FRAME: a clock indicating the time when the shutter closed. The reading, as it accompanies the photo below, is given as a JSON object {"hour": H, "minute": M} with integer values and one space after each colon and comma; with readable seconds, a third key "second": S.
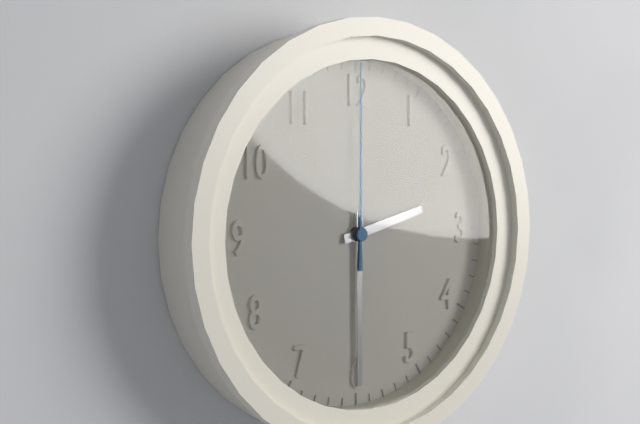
{"hour": 2, "minute": 30, "second": 0}
